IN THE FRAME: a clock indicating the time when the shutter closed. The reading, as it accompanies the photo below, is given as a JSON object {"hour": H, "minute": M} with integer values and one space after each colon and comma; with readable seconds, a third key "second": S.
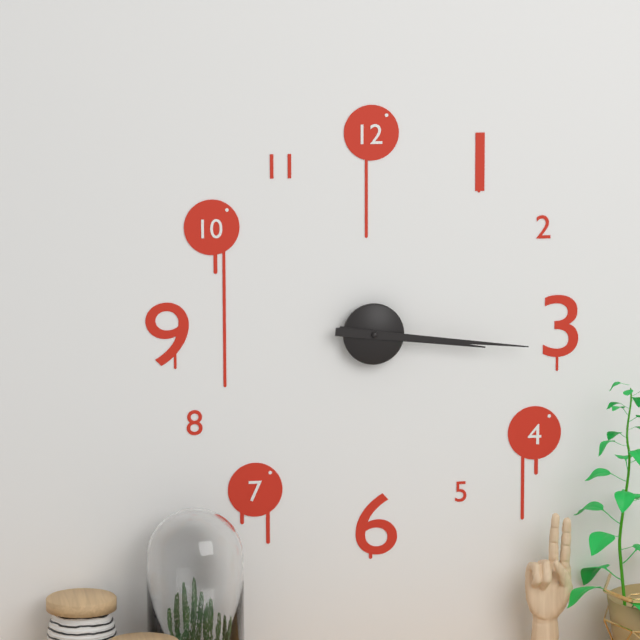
{"hour": 3, "minute": 16}
